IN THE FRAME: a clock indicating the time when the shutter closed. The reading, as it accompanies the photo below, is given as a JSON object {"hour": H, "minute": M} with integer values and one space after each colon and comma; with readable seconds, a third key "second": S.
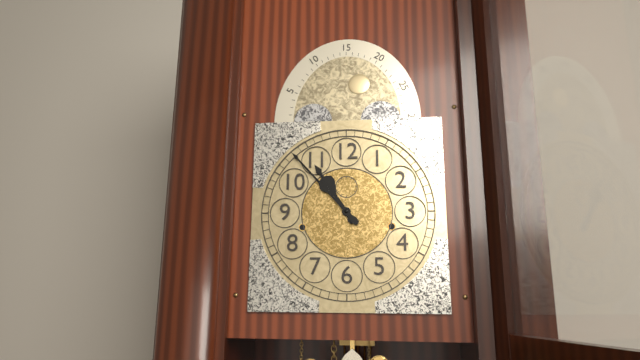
{"hour": 10, "minute": 53}
